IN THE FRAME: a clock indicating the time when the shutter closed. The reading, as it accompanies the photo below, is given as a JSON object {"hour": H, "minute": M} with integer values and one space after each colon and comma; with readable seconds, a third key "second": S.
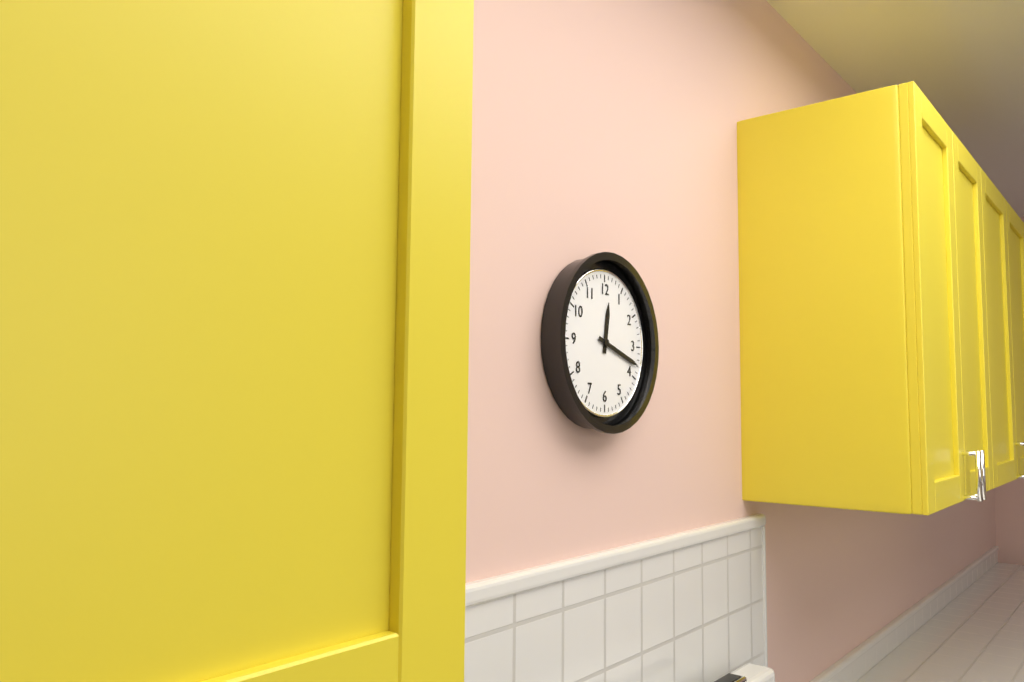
{"hour": 12, "minute": 18}
